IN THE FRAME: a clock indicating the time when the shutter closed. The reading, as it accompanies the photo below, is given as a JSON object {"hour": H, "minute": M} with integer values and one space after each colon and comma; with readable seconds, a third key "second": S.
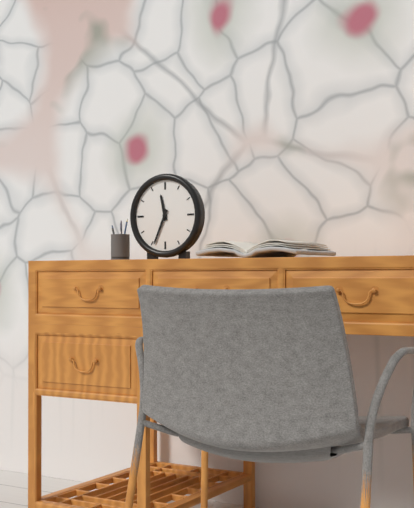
{"hour": 11, "minute": 34}
